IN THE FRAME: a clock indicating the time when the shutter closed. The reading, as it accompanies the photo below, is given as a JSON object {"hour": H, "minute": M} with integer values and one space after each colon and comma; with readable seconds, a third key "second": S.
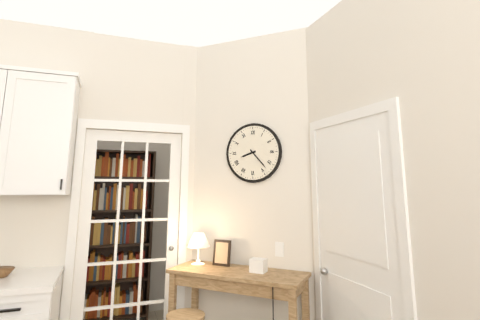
{"hour": 8, "minute": 23}
